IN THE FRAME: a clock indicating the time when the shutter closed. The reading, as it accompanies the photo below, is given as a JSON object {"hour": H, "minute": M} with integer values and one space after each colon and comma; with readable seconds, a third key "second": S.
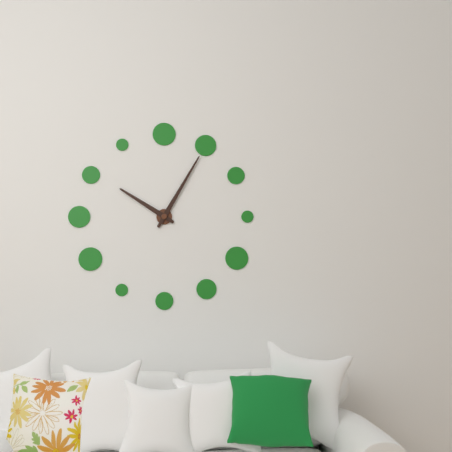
{"hour": 10, "minute": 5}
